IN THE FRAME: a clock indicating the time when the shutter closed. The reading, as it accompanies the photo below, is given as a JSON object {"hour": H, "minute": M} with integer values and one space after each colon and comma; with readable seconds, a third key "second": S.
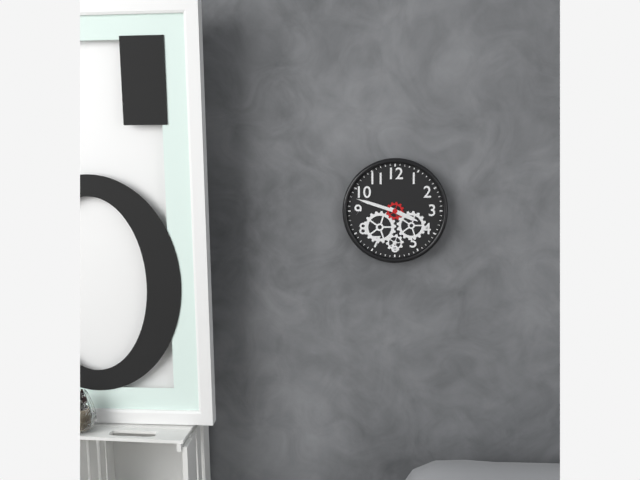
{"hour": 3, "minute": 48}
